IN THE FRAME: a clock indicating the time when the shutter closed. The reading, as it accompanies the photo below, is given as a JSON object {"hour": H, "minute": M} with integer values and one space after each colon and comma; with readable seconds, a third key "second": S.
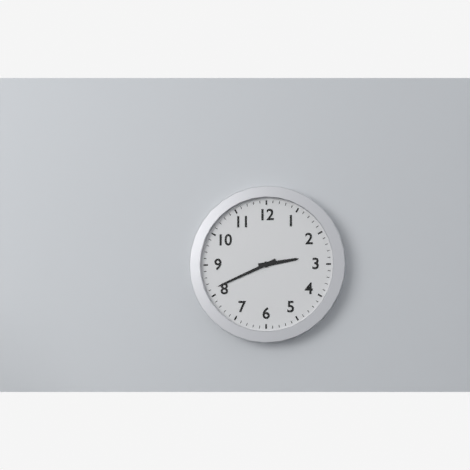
{"hour": 2, "minute": 41}
